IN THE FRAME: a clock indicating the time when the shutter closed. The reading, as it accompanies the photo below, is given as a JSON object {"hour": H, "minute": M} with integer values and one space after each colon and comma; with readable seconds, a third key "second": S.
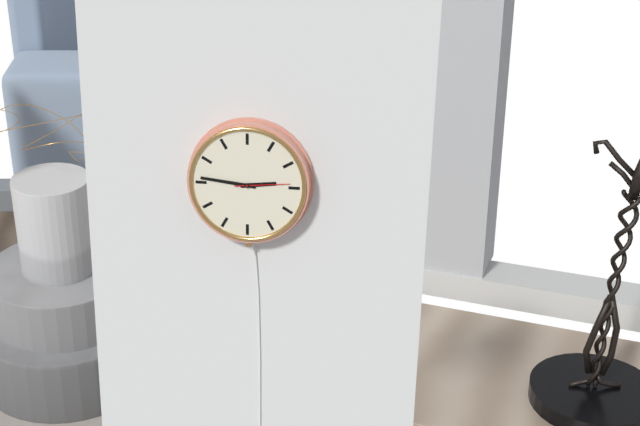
{"hour": 2, "minute": 46, "second": 14}
